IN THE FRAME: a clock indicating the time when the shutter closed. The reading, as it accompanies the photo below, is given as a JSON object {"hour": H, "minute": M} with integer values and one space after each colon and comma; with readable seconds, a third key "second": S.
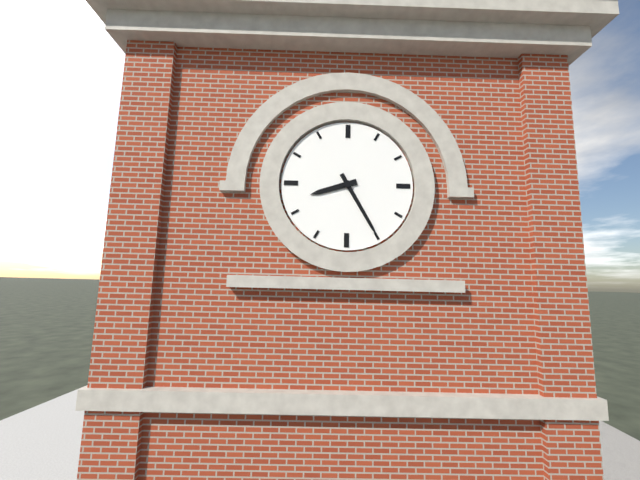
{"hour": 8, "minute": 25}
